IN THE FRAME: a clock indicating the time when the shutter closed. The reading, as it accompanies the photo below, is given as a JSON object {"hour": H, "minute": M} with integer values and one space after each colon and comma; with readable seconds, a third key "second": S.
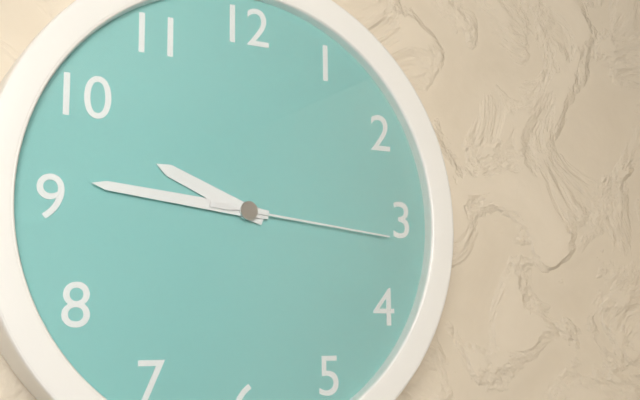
{"hour": 9, "minute": 46, "second": 16}
